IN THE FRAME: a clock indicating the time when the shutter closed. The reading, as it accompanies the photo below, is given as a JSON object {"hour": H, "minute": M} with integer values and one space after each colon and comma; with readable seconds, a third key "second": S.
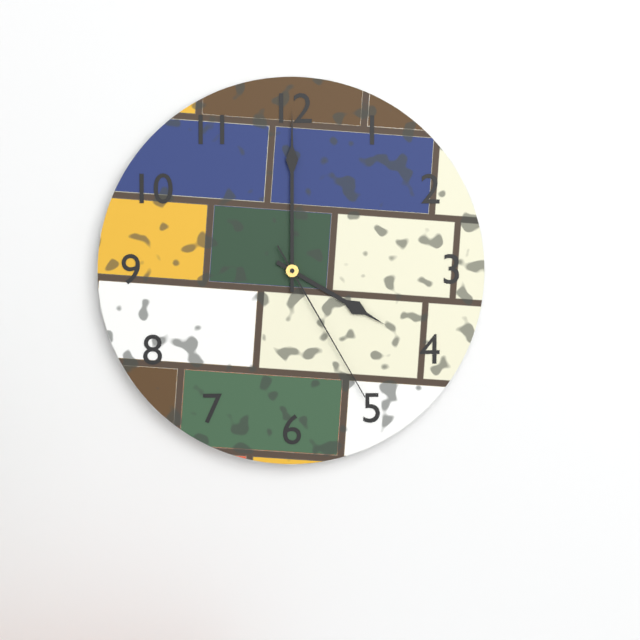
{"hour": 4, "minute": 0, "second": 25}
